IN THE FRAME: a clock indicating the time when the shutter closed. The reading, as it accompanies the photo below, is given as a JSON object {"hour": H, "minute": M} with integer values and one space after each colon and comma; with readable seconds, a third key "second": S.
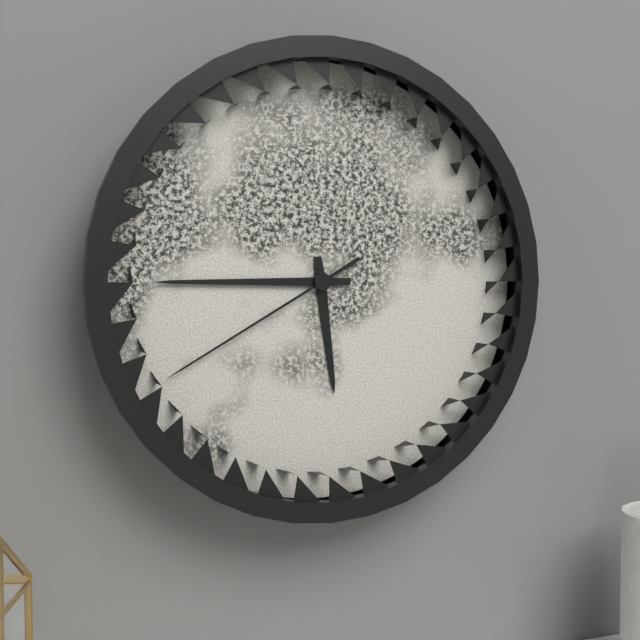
{"hour": 5, "minute": 45, "second": 40}
